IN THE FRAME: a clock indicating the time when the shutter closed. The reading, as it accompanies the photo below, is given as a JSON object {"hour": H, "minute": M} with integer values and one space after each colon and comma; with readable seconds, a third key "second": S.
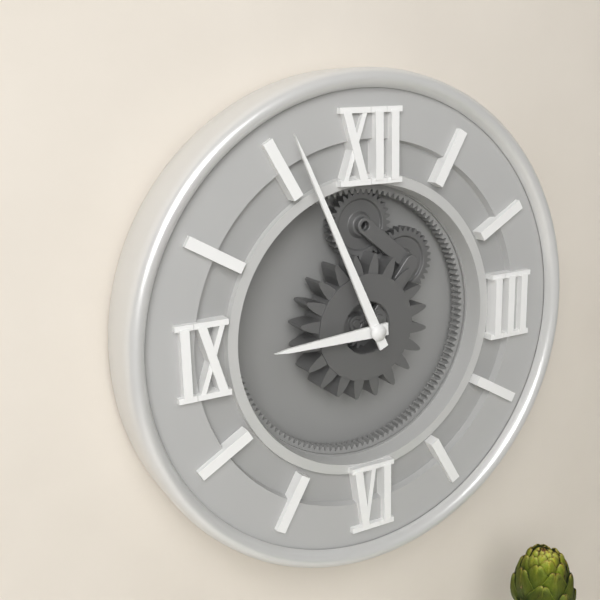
{"hour": 8, "minute": 56}
